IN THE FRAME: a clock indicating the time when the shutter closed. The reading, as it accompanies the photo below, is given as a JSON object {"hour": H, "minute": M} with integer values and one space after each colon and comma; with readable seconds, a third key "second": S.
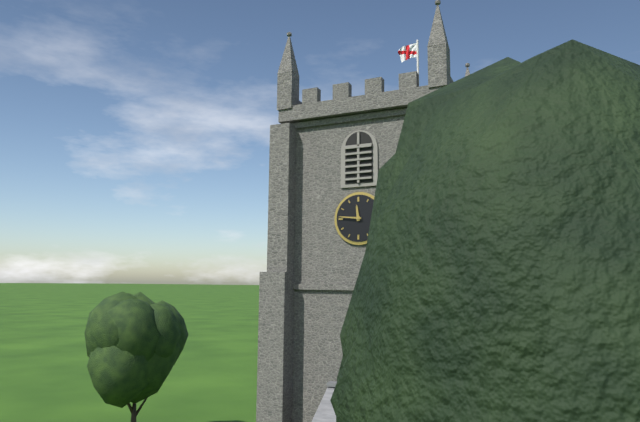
{"hour": 11, "minute": 46}
